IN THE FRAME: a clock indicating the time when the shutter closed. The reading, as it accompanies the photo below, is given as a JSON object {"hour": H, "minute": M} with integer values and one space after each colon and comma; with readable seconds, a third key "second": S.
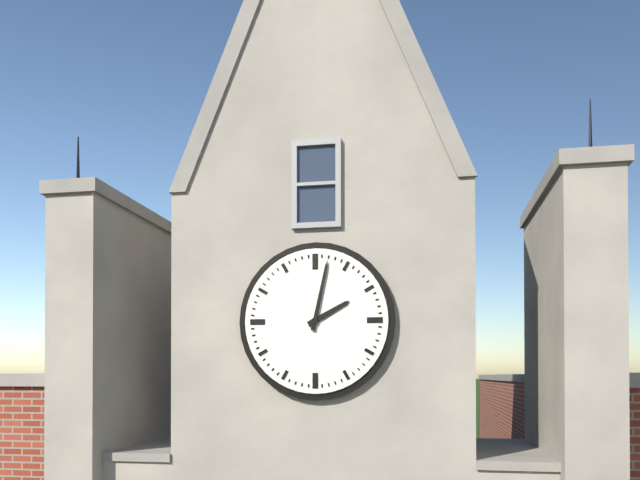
{"hour": 2, "minute": 2}
